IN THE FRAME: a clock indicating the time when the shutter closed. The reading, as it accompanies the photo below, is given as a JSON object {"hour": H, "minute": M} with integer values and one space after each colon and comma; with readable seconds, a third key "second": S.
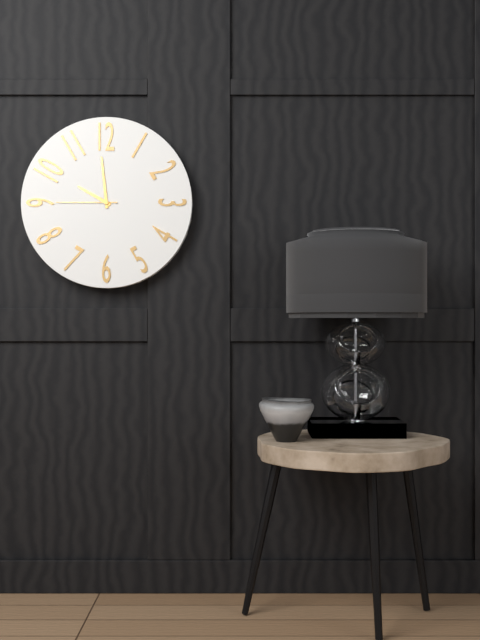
{"hour": 9, "minute": 59, "second": 45}
